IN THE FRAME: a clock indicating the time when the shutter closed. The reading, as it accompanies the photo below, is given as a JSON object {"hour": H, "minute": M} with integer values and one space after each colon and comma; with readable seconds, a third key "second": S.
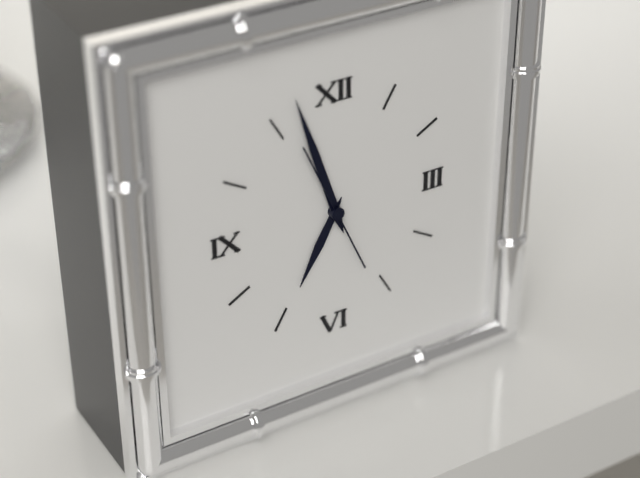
{"hour": 6, "minute": 57, "second": 56}
